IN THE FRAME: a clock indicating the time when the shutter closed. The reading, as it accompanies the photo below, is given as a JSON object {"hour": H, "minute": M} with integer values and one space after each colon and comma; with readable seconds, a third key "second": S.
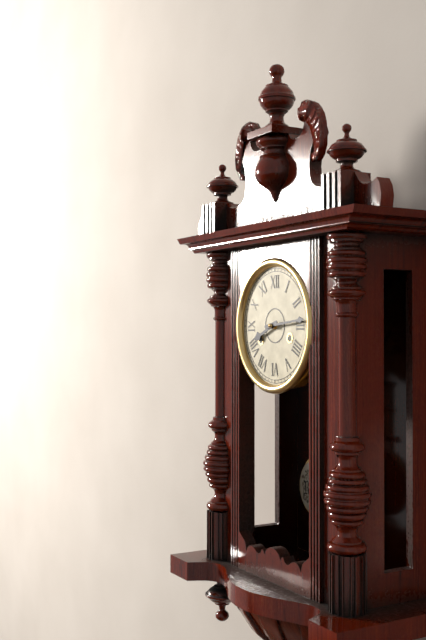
{"hour": 8, "minute": 14}
